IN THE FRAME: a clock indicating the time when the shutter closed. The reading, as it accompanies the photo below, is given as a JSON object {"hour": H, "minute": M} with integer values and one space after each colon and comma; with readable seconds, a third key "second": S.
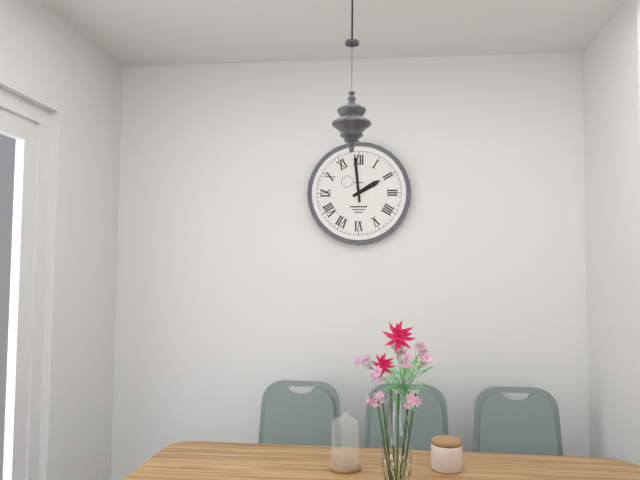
{"hour": 1, "minute": 59}
